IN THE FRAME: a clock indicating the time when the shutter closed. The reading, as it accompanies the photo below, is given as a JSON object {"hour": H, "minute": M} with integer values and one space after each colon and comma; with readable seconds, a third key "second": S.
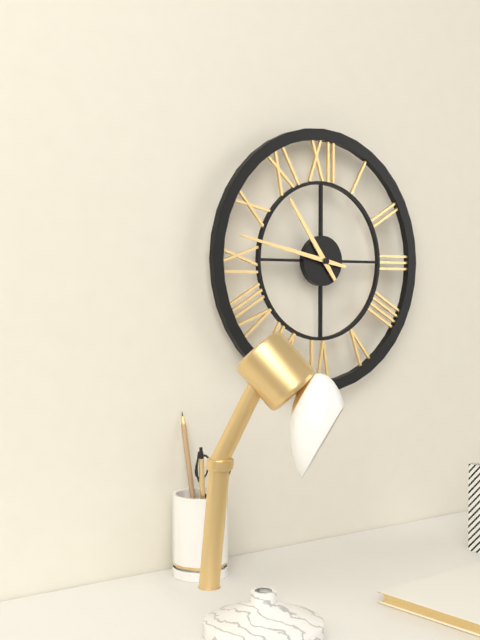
{"hour": 10, "minute": 47}
